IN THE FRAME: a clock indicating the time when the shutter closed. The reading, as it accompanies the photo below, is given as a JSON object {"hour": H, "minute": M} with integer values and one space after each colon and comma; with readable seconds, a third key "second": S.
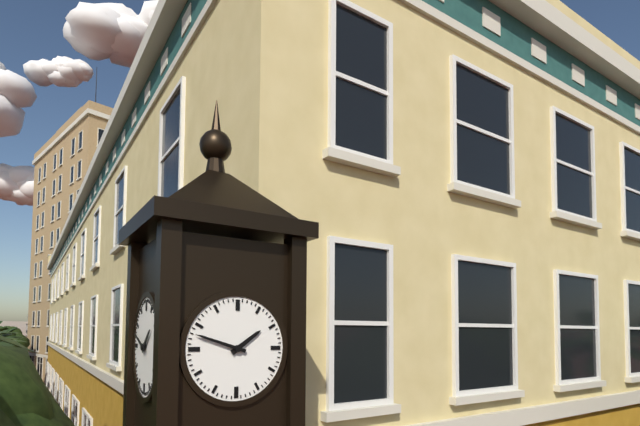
{"hour": 1, "minute": 48}
